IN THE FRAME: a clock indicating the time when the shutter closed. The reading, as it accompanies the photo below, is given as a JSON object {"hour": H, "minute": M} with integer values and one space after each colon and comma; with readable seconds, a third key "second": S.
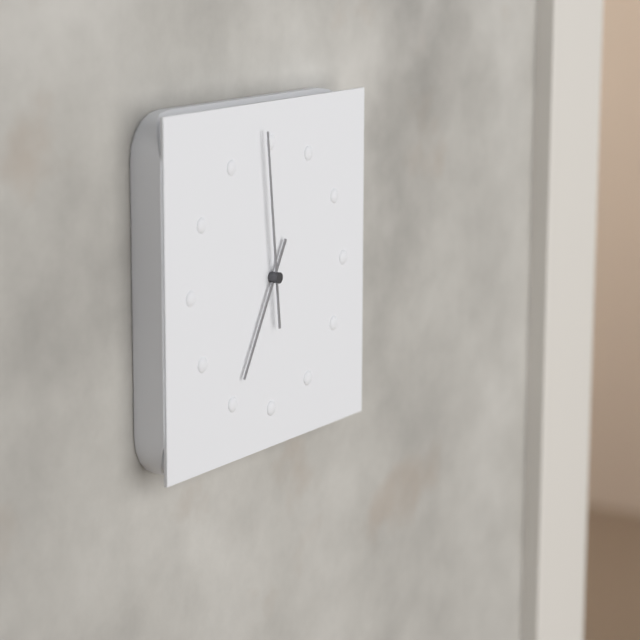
{"hour": 6, "minute": 59}
